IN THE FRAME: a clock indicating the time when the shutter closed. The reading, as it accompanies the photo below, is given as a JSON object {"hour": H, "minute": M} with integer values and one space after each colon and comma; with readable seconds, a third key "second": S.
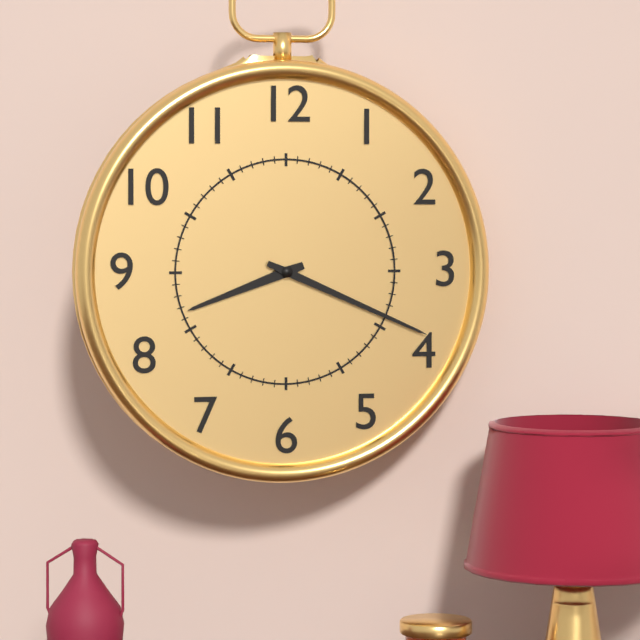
{"hour": 8, "minute": 19}
